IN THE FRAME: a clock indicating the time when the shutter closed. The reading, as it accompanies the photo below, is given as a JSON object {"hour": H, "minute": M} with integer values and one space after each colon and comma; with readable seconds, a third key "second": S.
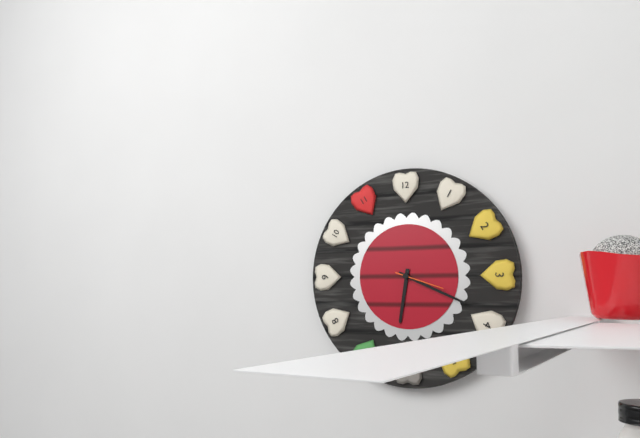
{"hour": 6, "minute": 19, "second": 18}
